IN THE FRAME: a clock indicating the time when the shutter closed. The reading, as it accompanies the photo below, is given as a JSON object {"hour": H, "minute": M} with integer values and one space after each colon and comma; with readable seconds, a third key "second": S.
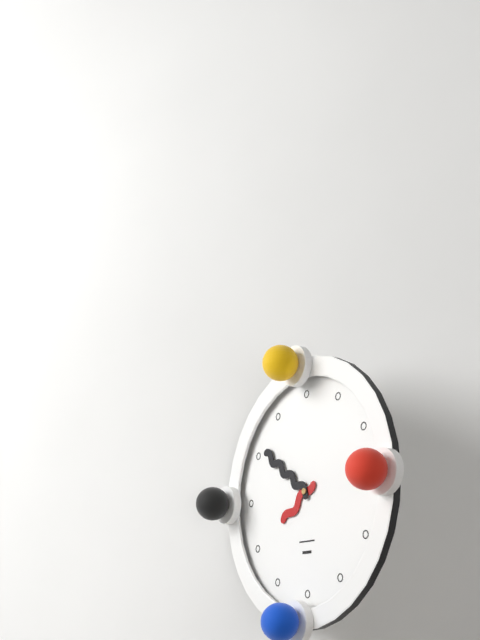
{"hour": 7, "minute": 51}
